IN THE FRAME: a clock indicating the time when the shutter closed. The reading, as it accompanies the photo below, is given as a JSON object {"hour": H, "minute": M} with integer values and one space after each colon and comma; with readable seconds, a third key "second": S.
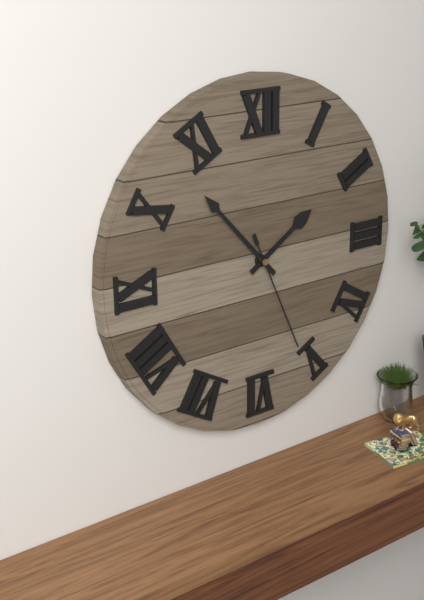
{"hour": 1, "minute": 53, "second": 26}
